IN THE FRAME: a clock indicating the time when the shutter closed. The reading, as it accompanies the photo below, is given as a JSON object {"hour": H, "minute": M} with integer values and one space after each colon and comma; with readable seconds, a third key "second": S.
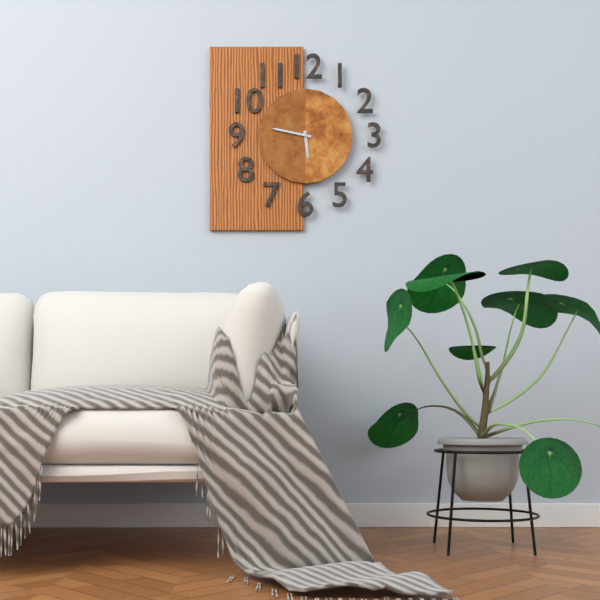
{"hour": 5, "minute": 47}
